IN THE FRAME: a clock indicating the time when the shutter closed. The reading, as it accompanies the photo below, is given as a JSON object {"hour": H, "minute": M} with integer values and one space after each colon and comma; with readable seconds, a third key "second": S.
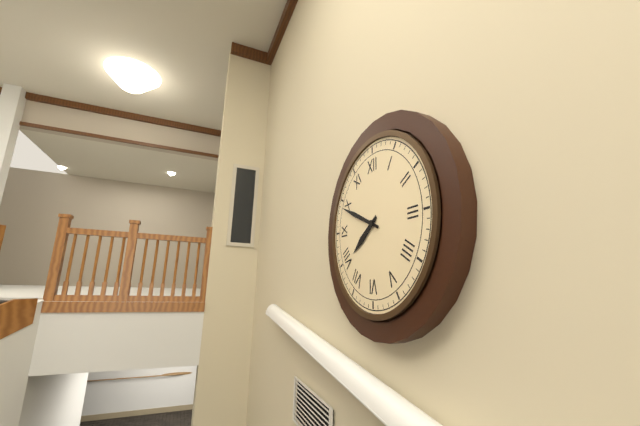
{"hour": 7, "minute": 49}
